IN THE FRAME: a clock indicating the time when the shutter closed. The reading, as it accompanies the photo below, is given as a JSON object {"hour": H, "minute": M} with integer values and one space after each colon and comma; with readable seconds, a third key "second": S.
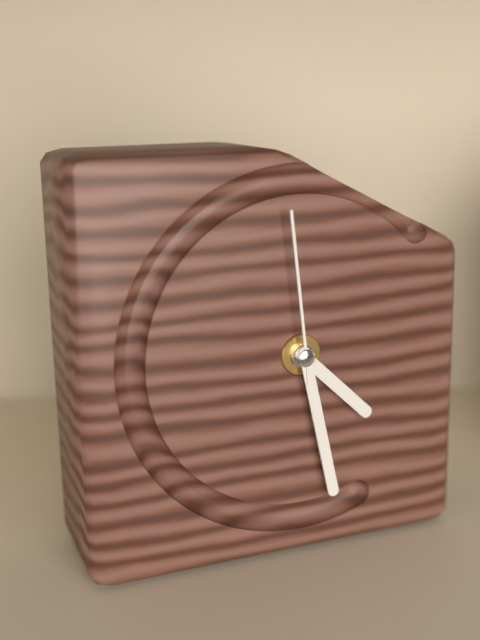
{"hour": 4, "minute": 28, "second": 59}
